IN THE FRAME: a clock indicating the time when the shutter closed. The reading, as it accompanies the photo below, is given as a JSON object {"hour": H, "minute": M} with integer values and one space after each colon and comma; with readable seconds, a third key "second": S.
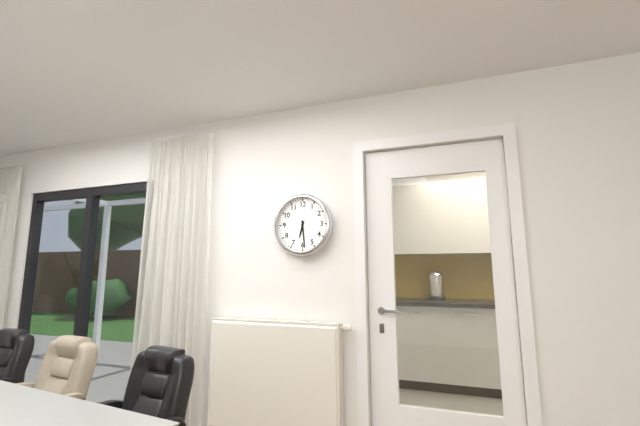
{"hour": 6, "minute": 29}
